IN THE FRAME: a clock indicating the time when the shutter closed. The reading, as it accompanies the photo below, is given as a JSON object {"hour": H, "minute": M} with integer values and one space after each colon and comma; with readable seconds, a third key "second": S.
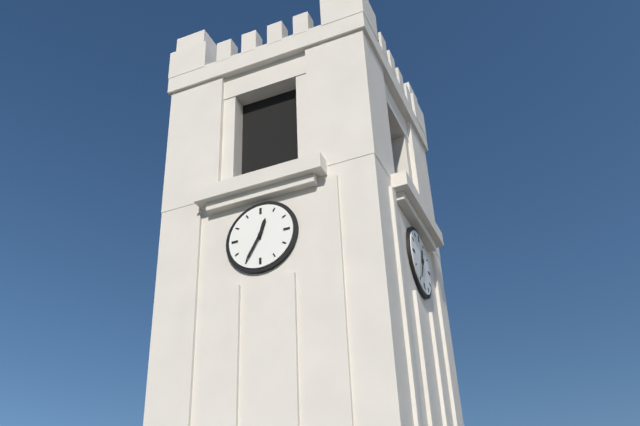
{"hour": 12, "minute": 35}
